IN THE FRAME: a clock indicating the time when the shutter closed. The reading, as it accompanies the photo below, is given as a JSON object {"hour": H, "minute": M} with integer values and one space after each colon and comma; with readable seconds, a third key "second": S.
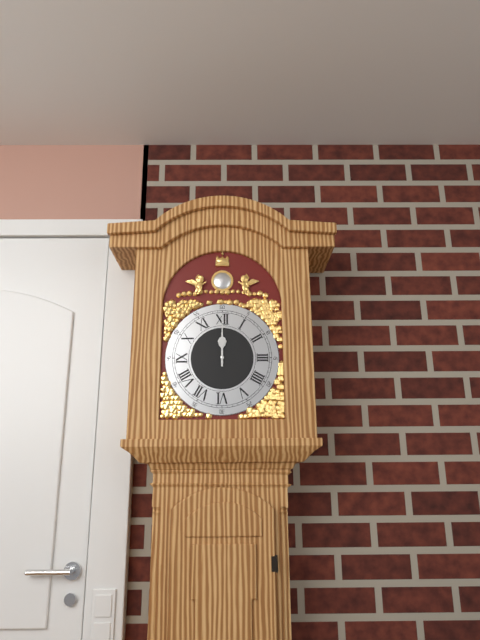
{"hour": 12, "minute": 0}
